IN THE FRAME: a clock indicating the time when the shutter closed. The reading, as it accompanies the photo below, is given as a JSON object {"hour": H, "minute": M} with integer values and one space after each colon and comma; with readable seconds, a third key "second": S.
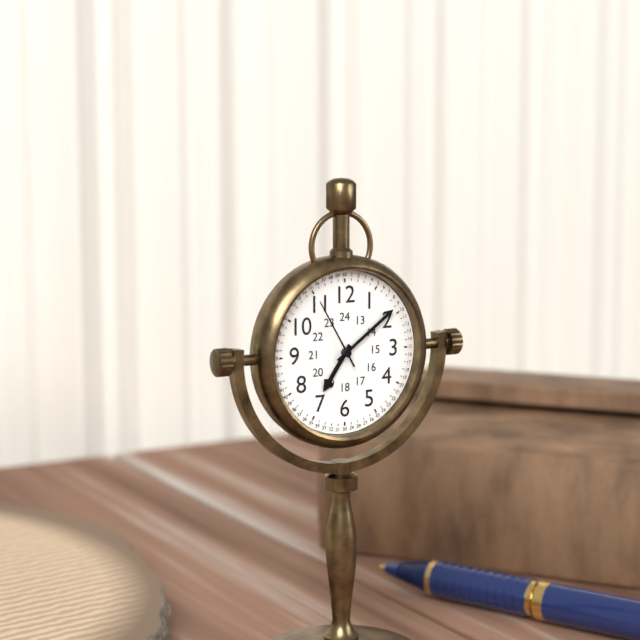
{"hour": 7, "minute": 9, "second": 55}
